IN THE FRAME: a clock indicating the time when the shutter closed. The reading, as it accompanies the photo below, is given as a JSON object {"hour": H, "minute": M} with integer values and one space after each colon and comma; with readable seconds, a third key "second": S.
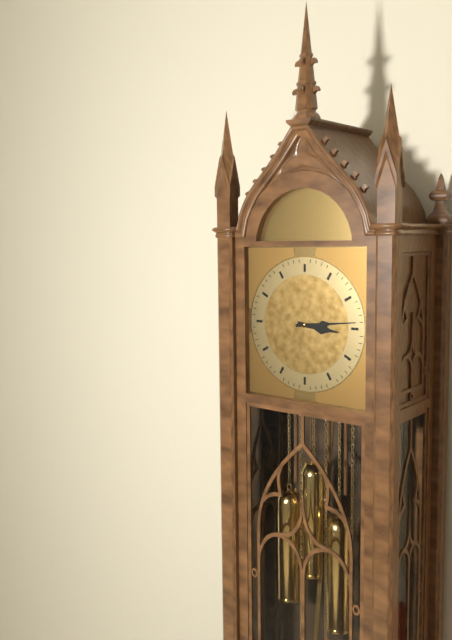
{"hour": 3, "minute": 14}
